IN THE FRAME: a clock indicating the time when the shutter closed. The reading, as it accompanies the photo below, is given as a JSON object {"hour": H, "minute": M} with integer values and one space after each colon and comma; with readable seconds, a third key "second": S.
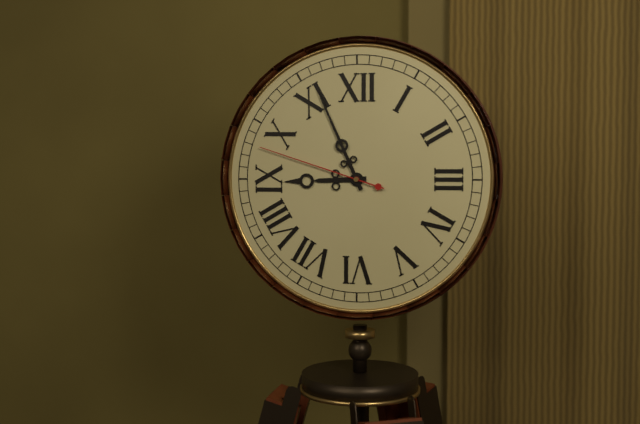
{"hour": 8, "minute": 56, "second": 48}
